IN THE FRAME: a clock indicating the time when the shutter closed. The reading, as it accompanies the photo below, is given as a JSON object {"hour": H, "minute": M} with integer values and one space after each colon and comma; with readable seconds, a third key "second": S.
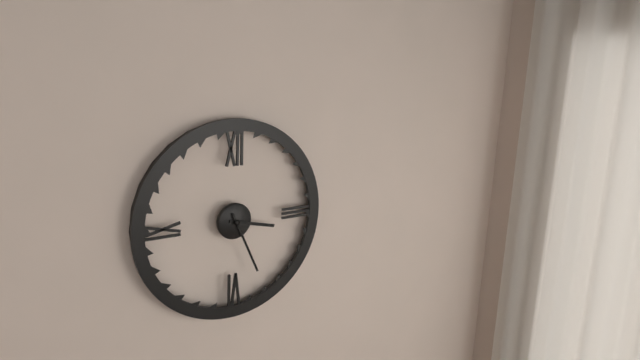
{"hour": 3, "minute": 26}
